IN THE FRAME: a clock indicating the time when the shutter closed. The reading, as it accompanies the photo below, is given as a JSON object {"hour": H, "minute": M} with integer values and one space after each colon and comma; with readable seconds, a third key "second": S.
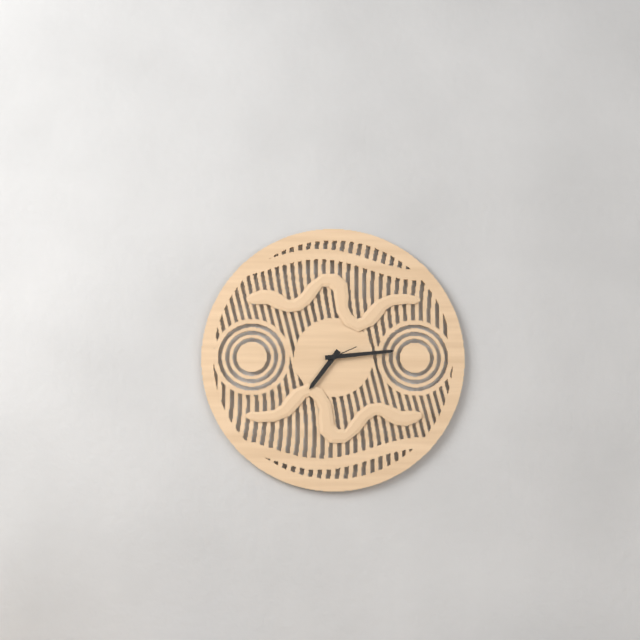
{"hour": 7, "minute": 14}
